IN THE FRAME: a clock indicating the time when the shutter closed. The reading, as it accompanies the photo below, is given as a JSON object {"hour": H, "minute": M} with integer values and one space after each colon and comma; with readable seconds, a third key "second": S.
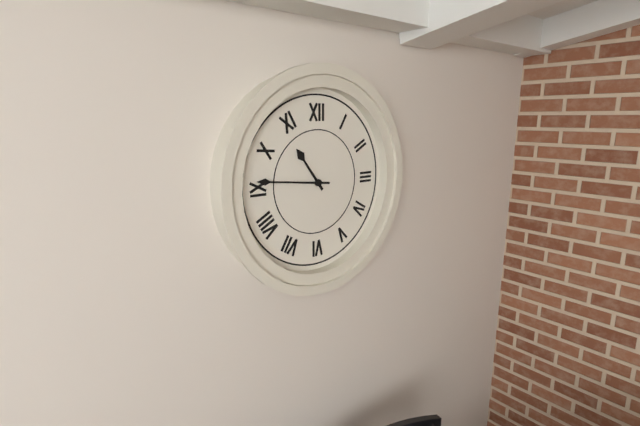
{"hour": 10, "minute": 46}
